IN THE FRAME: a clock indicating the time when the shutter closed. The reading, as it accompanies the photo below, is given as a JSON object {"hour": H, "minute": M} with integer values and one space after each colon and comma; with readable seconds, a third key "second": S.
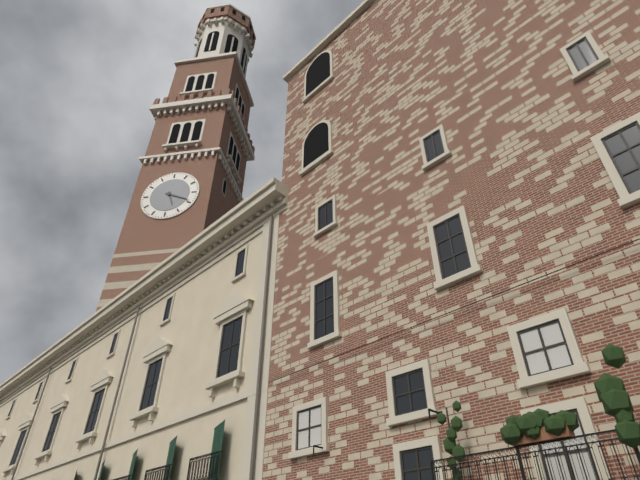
{"hour": 5, "minute": 19}
